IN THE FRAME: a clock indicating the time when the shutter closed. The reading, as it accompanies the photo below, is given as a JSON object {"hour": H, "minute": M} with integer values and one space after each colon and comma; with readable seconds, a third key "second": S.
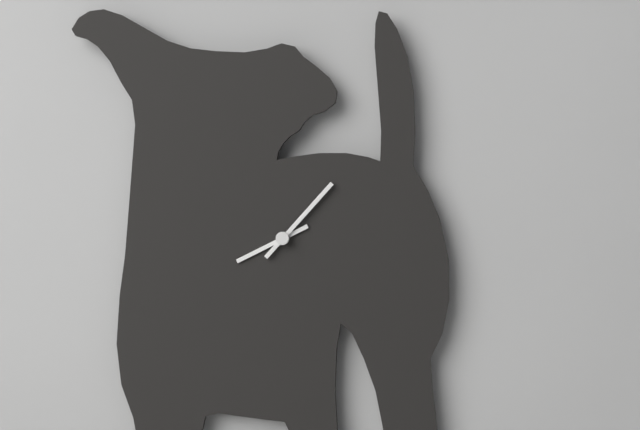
{"hour": 8, "minute": 7}
